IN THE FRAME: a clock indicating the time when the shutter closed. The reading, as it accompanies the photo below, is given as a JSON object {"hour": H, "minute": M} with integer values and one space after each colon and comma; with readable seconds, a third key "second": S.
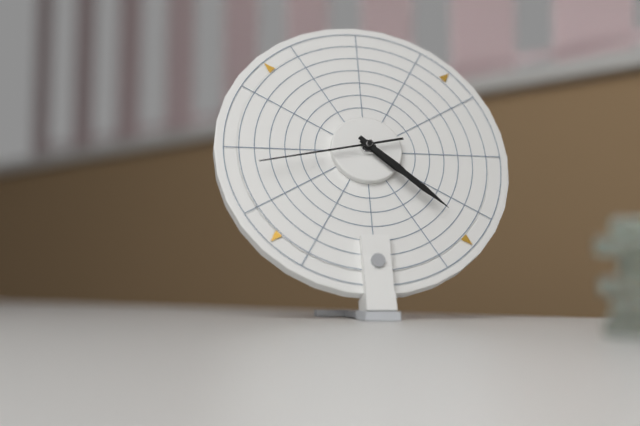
{"hour": 4, "minute": 22, "second": 43}
